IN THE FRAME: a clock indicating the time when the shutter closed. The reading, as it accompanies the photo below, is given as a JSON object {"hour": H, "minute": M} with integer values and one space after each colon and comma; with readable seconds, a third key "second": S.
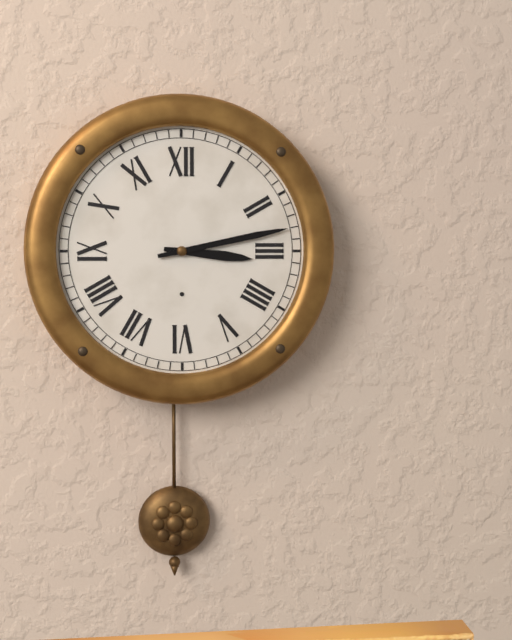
{"hour": 3, "minute": 13}
